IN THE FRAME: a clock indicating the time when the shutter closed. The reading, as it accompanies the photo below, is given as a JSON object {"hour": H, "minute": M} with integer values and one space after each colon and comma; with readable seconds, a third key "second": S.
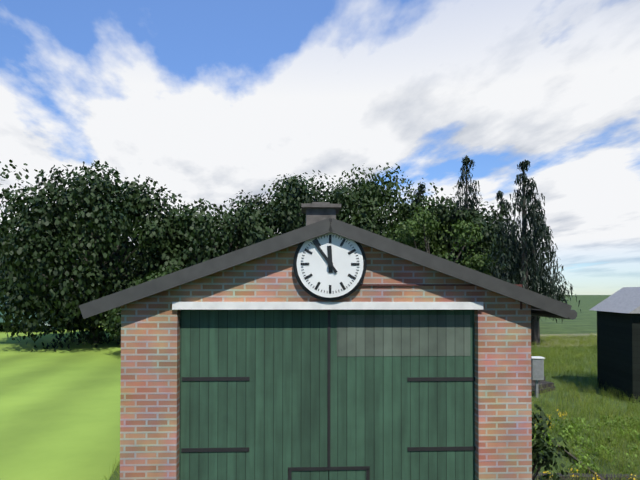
{"hour": 11, "minute": 54}
